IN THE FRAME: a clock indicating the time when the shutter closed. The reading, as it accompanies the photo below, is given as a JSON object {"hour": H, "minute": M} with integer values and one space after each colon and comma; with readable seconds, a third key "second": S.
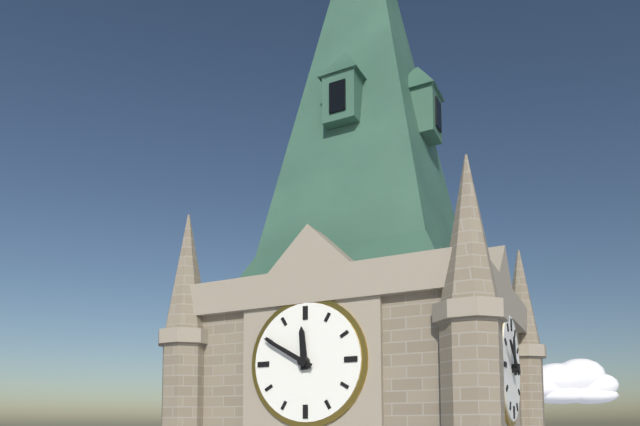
{"hour": 11, "minute": 50}
